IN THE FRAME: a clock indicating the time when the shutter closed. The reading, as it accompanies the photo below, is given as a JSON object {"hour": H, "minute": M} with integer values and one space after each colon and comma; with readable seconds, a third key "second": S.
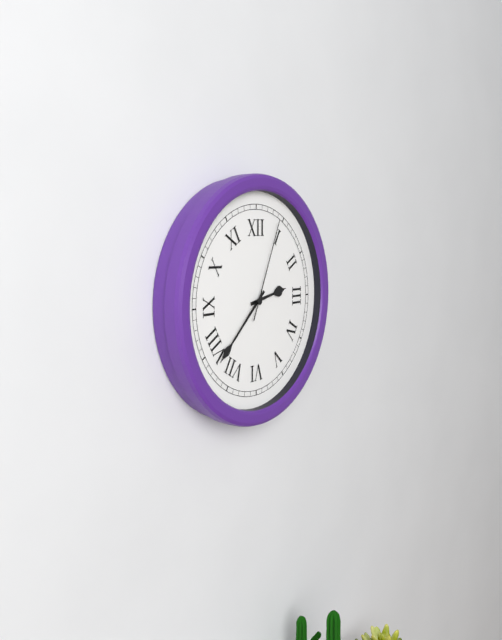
{"hour": 2, "minute": 38, "second": 4}
